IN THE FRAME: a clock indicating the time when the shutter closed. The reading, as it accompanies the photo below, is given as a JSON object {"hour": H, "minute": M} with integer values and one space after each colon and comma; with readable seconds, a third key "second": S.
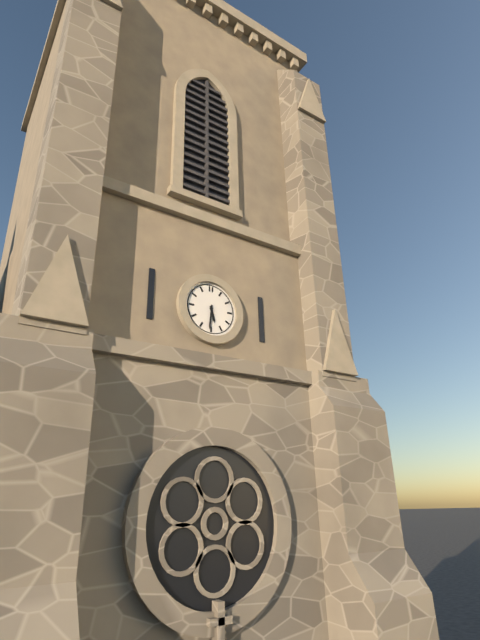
{"hour": 5, "minute": 31}
